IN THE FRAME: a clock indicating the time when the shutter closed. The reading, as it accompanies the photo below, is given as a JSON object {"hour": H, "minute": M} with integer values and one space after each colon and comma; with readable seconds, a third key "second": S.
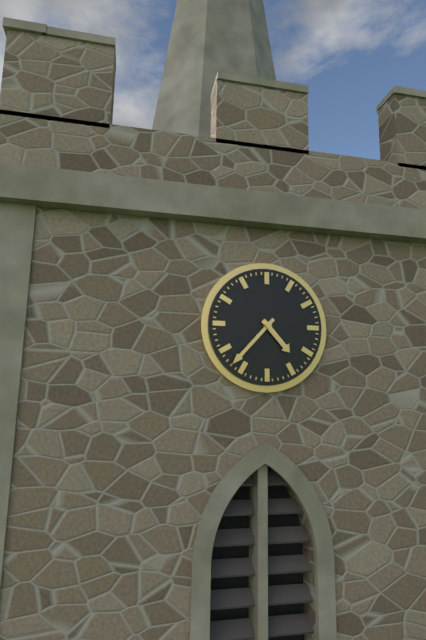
{"hour": 4, "minute": 37}
